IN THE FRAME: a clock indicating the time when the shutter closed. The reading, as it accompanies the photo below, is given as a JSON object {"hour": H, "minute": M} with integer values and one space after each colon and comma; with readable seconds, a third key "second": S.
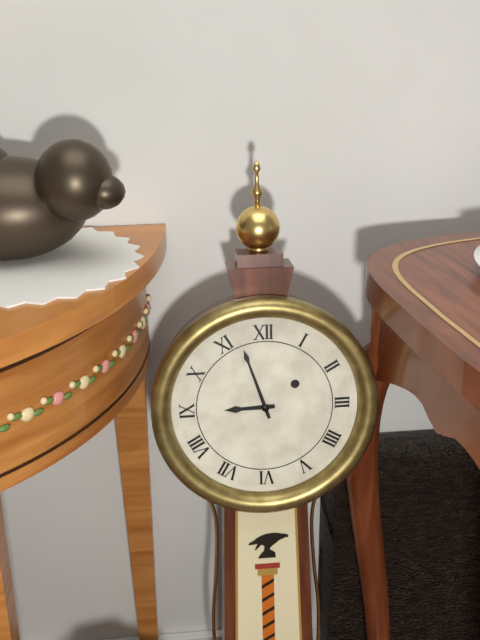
{"hour": 8, "minute": 57}
